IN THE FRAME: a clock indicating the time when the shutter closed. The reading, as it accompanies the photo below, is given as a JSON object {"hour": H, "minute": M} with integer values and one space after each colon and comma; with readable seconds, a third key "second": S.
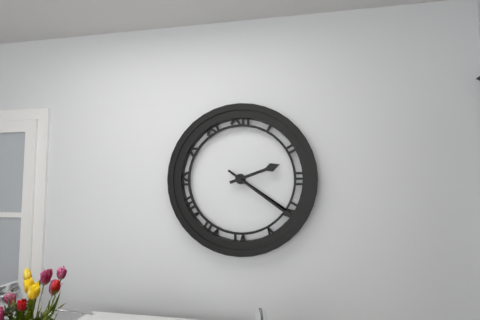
{"hour": 2, "minute": 21}
